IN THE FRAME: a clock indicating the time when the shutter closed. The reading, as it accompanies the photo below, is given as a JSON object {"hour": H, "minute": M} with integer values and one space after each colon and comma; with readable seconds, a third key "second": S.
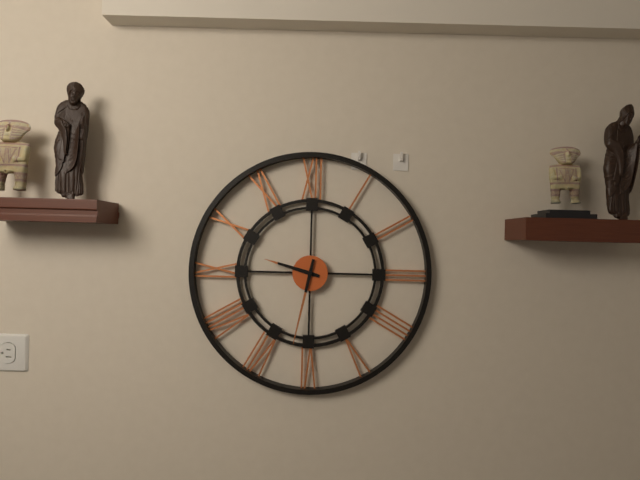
{"hour": 9, "minute": 32}
